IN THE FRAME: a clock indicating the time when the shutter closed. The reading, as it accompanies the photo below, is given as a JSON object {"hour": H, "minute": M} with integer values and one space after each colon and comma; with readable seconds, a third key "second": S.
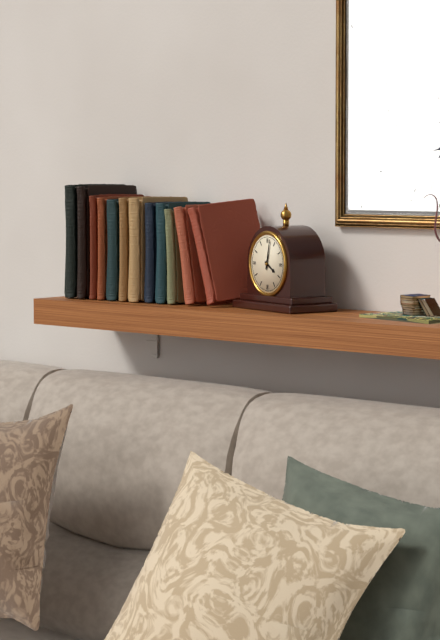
{"hour": 4, "minute": 2}
